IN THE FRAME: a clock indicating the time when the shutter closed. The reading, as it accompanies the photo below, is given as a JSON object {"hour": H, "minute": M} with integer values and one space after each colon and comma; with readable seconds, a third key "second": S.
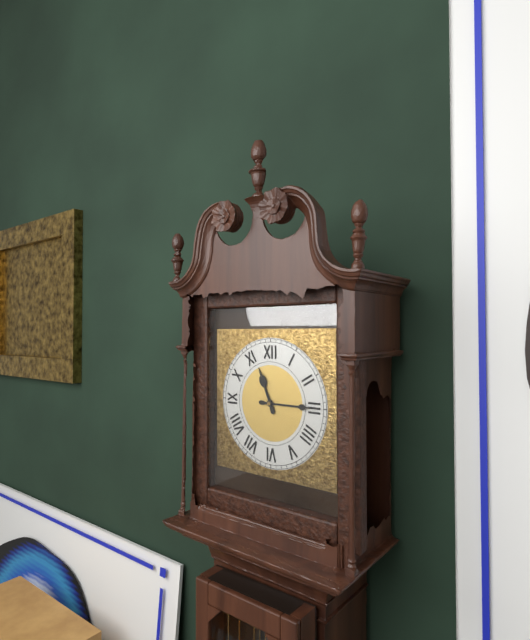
{"hour": 11, "minute": 15}
